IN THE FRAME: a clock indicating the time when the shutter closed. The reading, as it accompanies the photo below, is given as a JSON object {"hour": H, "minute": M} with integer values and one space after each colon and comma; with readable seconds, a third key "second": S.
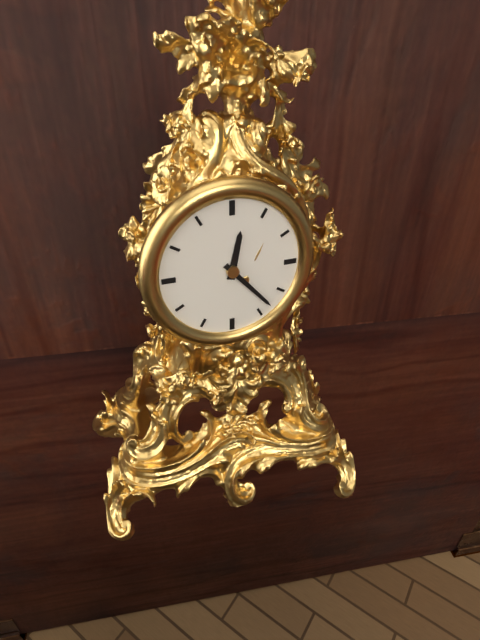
{"hour": 12, "minute": 23}
